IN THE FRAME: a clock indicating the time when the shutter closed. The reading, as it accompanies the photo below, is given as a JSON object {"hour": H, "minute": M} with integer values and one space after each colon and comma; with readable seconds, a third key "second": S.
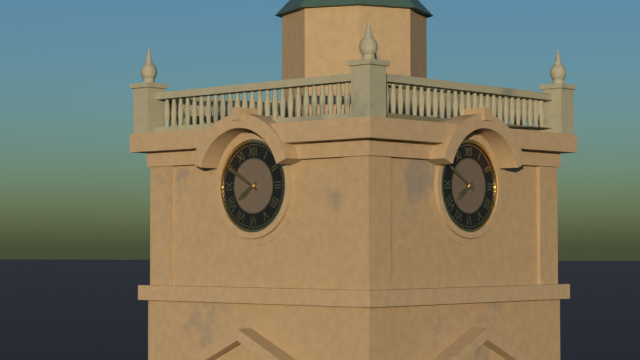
{"hour": 7, "minute": 50}
